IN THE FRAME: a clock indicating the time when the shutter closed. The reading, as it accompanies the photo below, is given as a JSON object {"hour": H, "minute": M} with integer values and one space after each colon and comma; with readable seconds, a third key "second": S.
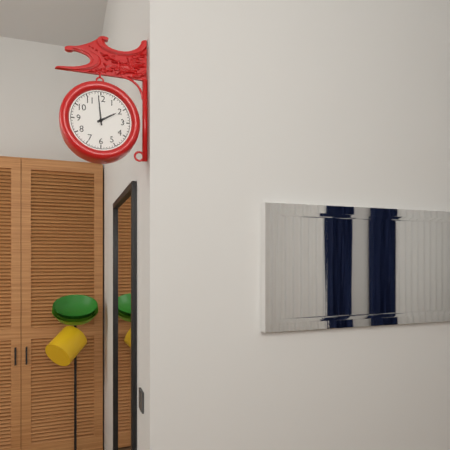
{"hour": 1, "minute": 59}
